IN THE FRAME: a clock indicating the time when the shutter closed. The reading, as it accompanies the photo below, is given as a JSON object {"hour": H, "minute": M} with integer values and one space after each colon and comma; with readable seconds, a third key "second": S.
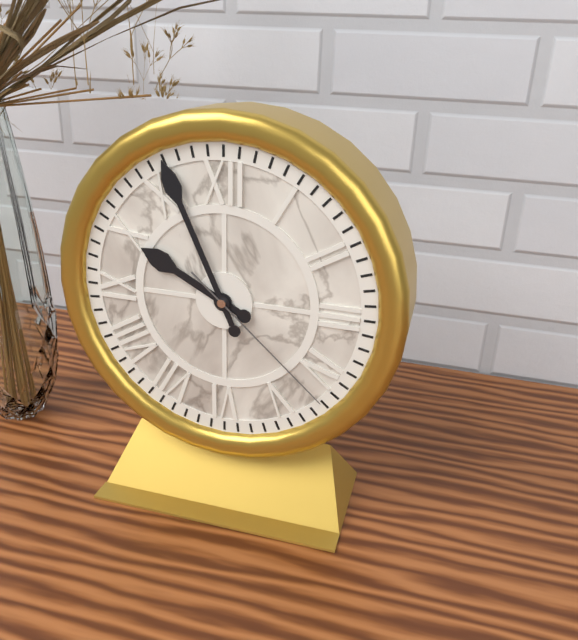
{"hour": 9, "minute": 56, "second": 22}
